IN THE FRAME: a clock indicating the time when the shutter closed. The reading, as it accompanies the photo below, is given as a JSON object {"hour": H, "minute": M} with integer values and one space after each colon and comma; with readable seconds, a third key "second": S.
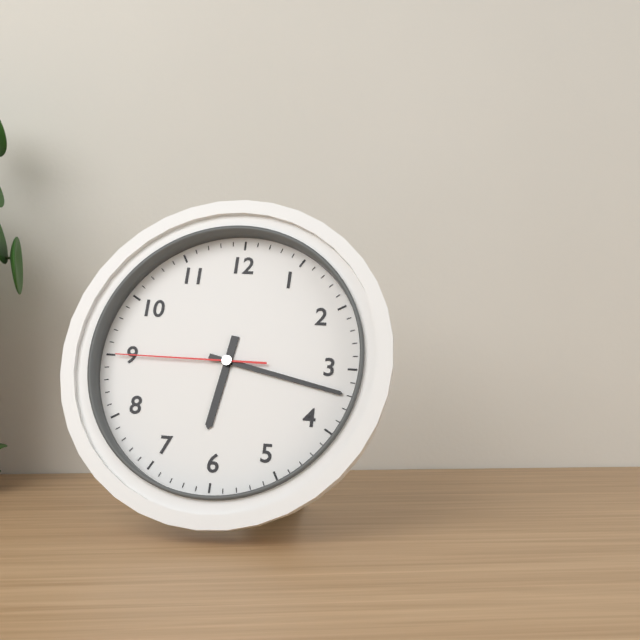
{"hour": 6, "minute": 17, "second": 45}
